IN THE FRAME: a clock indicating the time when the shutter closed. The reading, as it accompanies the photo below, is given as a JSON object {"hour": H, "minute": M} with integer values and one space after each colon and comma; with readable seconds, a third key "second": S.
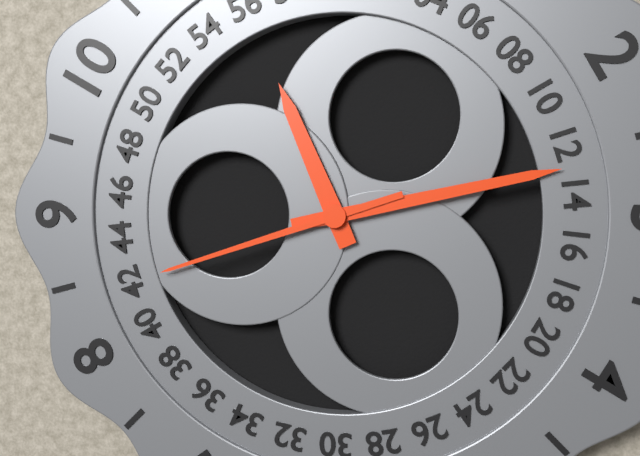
{"hour": 11, "minute": 13, "second": 42}
